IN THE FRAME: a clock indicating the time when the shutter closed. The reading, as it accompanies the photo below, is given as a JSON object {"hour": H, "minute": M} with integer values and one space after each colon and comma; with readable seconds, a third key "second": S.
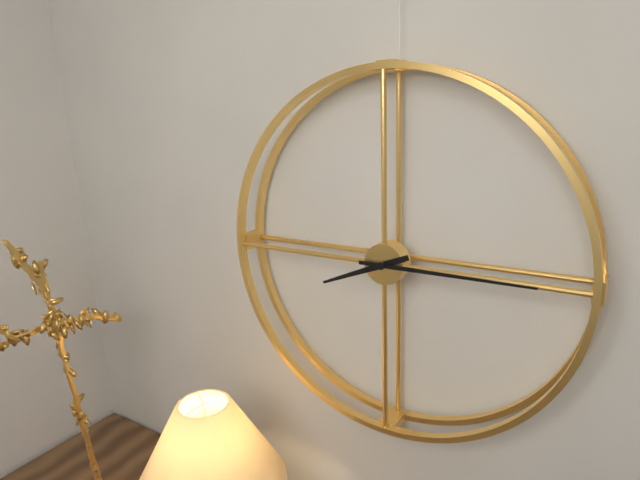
{"hour": 8, "minute": 15}
